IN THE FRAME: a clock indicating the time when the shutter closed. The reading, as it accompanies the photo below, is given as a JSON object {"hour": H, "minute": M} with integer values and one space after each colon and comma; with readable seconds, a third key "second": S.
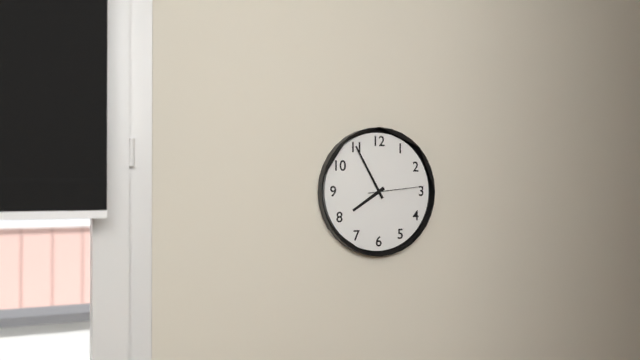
{"hour": 7, "minute": 55, "second": 14}
